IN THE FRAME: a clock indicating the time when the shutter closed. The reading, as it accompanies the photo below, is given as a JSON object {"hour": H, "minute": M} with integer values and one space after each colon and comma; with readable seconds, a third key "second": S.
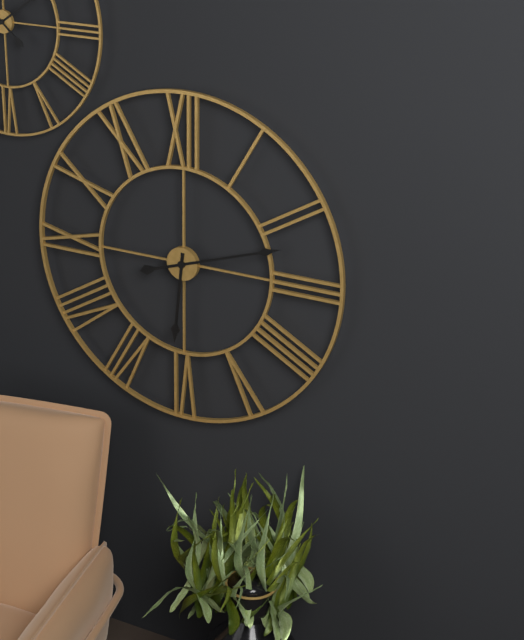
{"hour": 6, "minute": 12}
